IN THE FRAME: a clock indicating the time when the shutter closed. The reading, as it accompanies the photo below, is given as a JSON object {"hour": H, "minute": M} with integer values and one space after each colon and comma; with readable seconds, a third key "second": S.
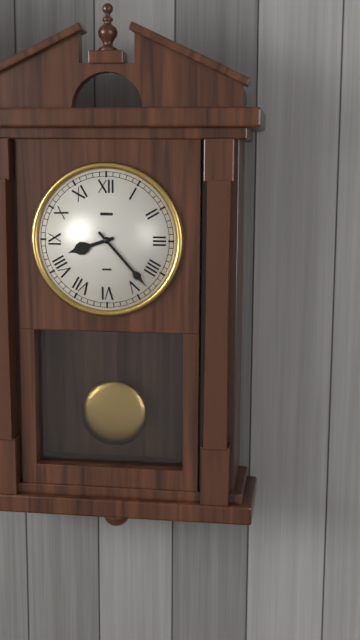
{"hour": 8, "minute": 23}
